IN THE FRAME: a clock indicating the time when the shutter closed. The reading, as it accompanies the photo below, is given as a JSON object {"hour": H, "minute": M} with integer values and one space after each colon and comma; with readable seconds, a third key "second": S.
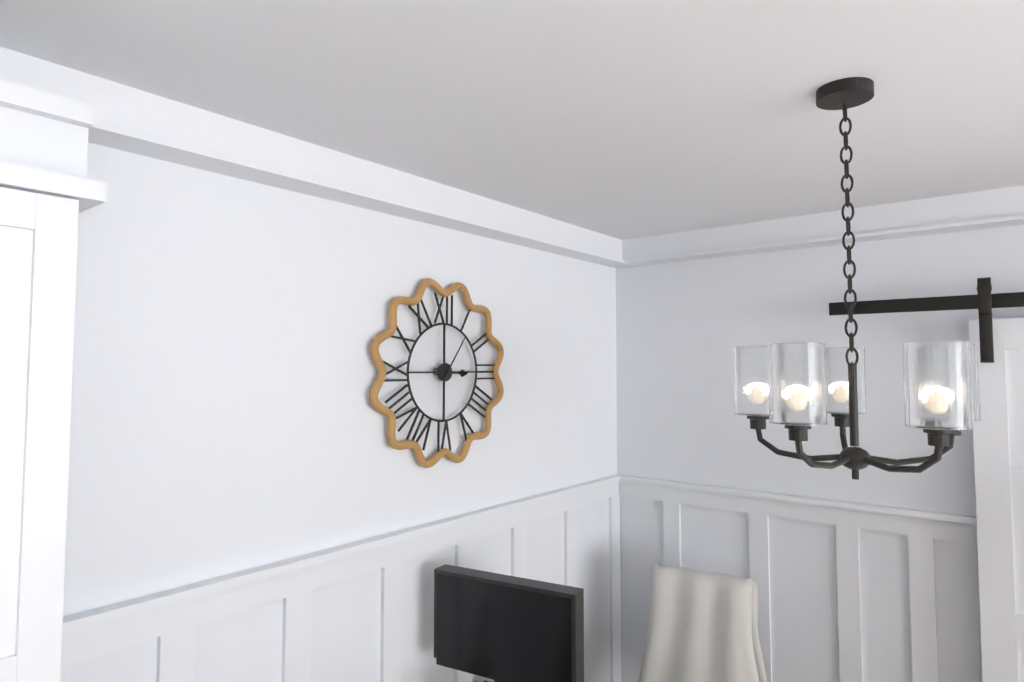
{"hour": 3, "minute": 6}
